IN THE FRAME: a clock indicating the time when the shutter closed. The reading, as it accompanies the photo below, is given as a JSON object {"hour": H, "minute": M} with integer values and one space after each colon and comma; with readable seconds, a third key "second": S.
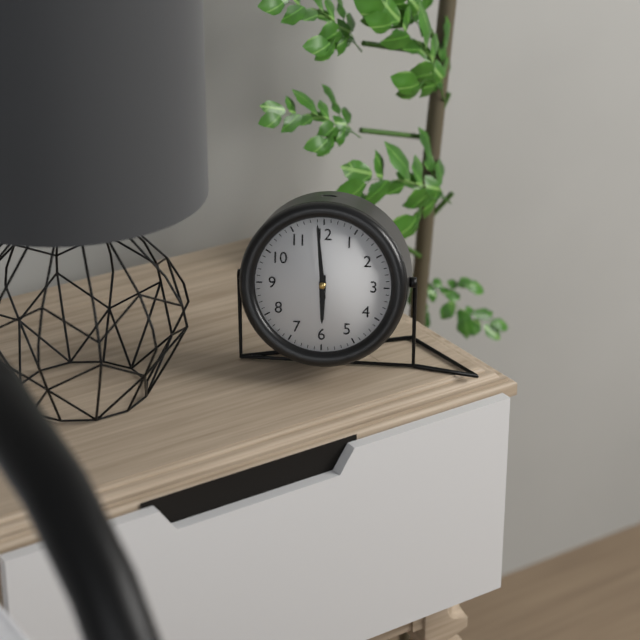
{"hour": 5, "minute": 59}
